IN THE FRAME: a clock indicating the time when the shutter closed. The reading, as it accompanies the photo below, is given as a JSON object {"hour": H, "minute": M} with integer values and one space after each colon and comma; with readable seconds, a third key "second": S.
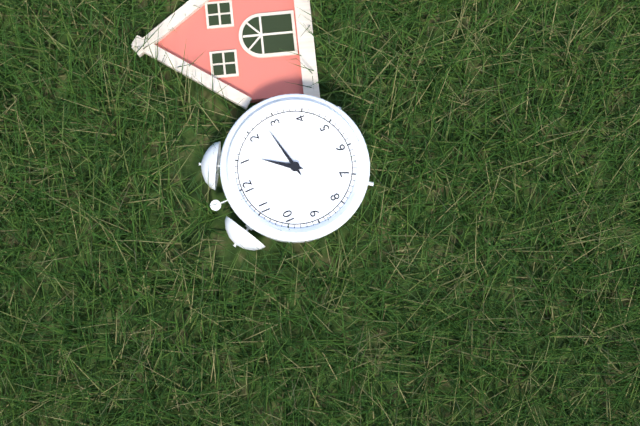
{"hour": 1, "minute": 13}
